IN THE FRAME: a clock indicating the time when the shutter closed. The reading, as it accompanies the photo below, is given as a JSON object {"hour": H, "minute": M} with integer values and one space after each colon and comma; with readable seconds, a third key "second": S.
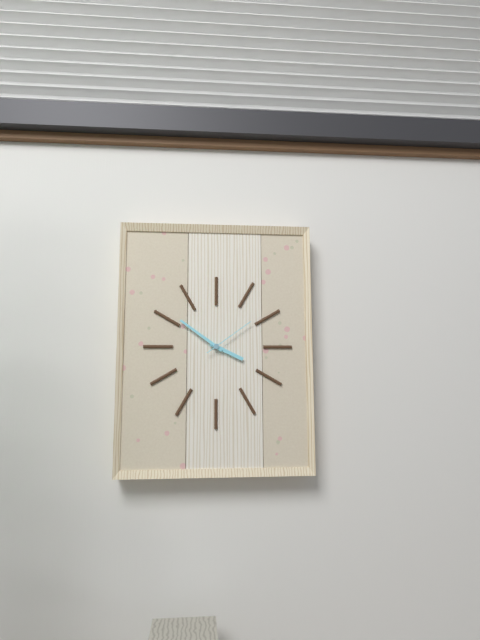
{"hour": 3, "minute": 51, "second": 9}
